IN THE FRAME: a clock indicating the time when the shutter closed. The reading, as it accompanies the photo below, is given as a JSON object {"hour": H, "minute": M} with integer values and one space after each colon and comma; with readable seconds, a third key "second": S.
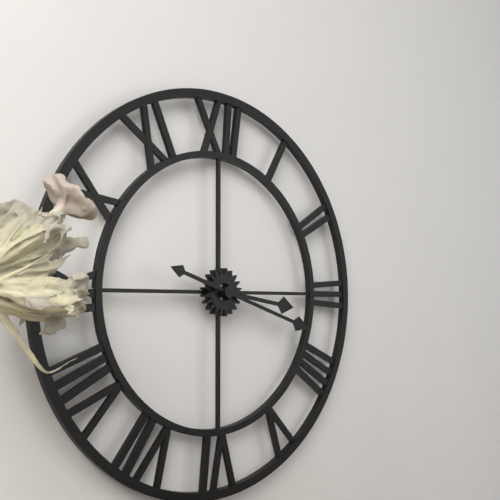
{"hour": 3, "minute": 18}
